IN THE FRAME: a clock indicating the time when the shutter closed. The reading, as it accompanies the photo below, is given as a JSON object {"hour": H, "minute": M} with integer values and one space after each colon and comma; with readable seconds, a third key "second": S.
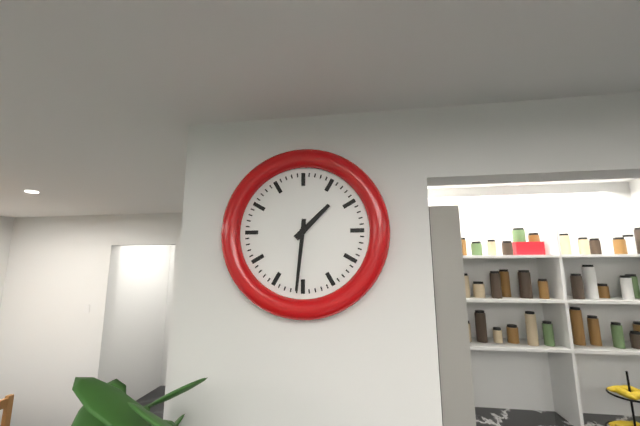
{"hour": 1, "minute": 31}
